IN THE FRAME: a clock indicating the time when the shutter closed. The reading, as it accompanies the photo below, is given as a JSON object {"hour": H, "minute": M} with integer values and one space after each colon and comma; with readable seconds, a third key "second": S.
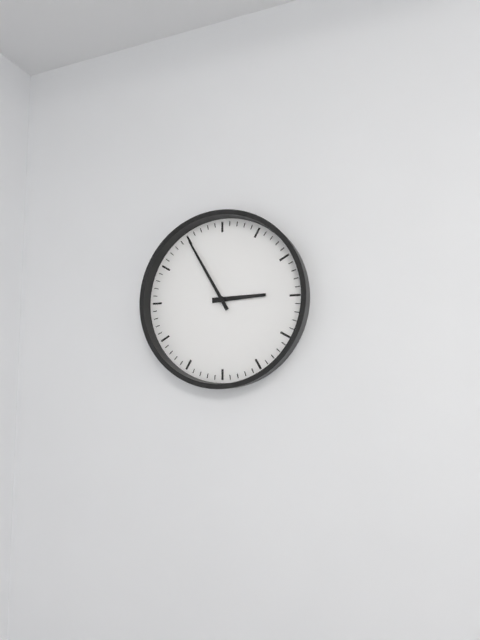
{"hour": 2, "minute": 55}
